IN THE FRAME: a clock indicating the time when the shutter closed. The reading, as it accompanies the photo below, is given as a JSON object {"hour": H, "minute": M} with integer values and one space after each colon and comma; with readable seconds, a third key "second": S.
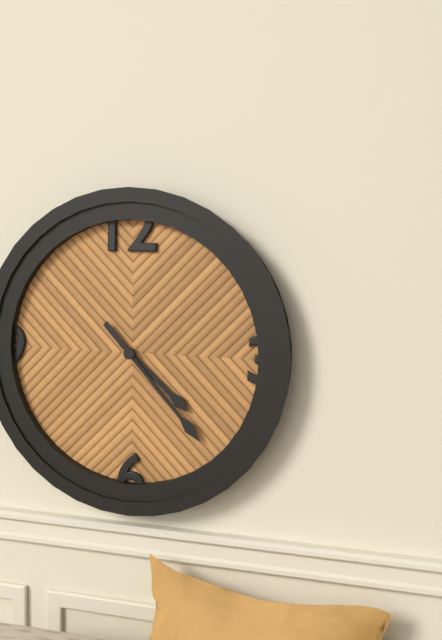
{"hour": 4, "minute": 23}
